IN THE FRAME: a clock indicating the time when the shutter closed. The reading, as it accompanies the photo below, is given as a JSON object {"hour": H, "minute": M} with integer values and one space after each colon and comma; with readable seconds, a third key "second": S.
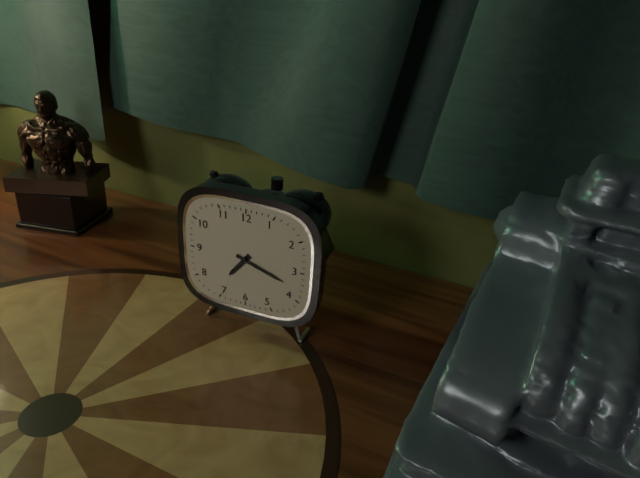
{"hour": 7, "minute": 18}
